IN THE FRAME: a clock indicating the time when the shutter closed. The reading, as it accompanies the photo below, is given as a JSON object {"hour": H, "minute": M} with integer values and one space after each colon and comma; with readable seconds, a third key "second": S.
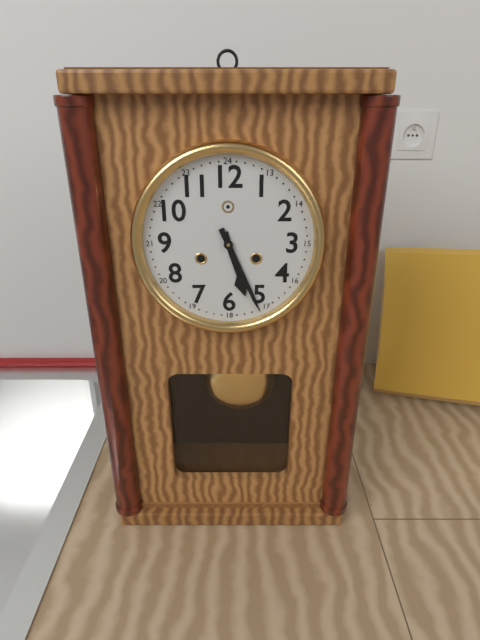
{"hour": 5, "minute": 26}
